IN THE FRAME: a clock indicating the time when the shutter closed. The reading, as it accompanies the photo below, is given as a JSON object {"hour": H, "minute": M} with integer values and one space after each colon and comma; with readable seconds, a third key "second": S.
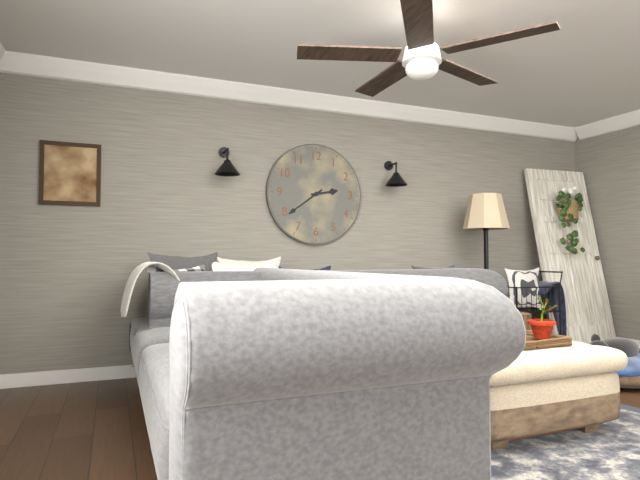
{"hour": 2, "minute": 39}
